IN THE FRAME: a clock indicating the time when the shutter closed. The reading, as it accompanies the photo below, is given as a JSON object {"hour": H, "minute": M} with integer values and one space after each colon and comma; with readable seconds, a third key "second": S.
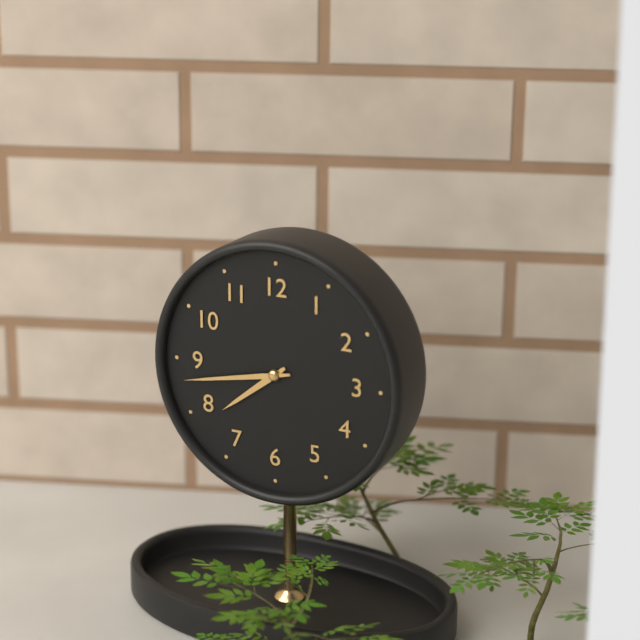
{"hour": 7, "minute": 43}
